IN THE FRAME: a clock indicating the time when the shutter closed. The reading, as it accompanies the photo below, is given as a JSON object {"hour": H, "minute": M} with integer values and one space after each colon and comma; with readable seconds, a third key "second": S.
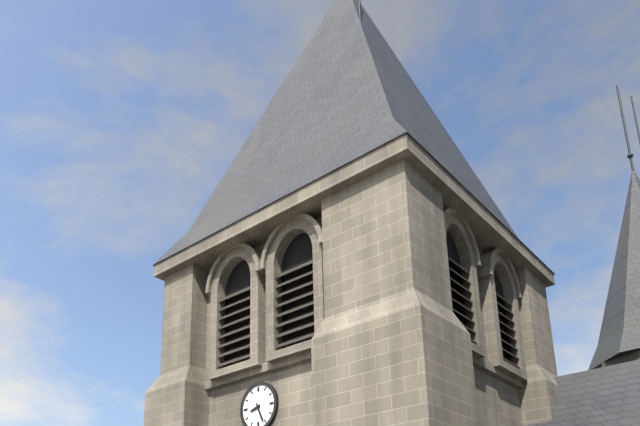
{"hour": 8, "minute": 26}
